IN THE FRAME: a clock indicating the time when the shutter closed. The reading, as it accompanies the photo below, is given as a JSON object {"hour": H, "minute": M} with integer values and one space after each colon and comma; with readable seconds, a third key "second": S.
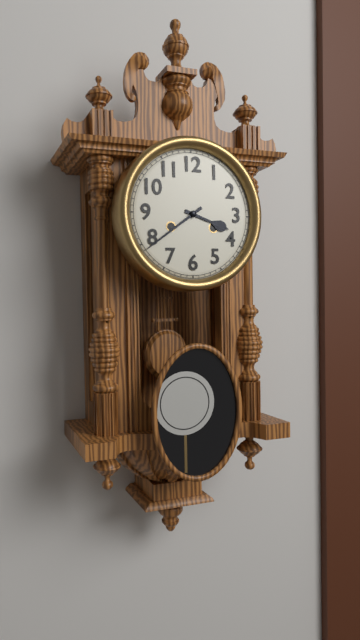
{"hour": 3, "minute": 39}
